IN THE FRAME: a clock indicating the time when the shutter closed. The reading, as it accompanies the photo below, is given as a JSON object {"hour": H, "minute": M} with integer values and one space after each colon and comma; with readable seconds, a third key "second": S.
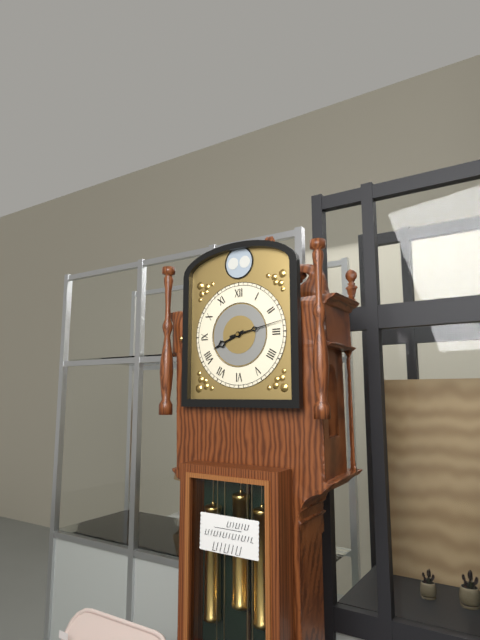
{"hour": 8, "minute": 13}
